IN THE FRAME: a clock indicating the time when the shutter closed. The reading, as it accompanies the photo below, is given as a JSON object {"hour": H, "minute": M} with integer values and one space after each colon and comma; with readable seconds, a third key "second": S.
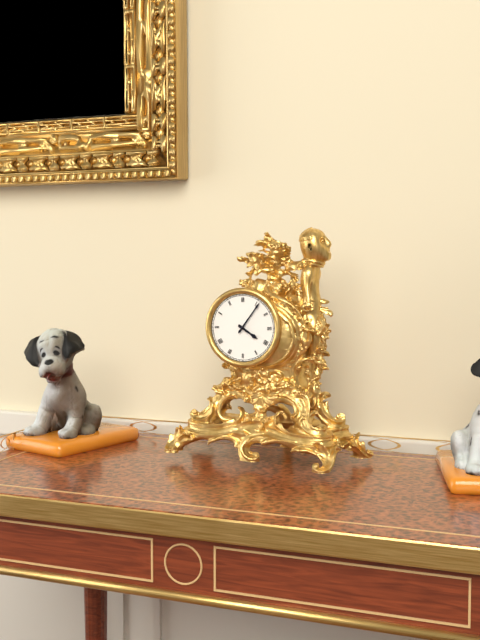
{"hour": 4, "minute": 6}
